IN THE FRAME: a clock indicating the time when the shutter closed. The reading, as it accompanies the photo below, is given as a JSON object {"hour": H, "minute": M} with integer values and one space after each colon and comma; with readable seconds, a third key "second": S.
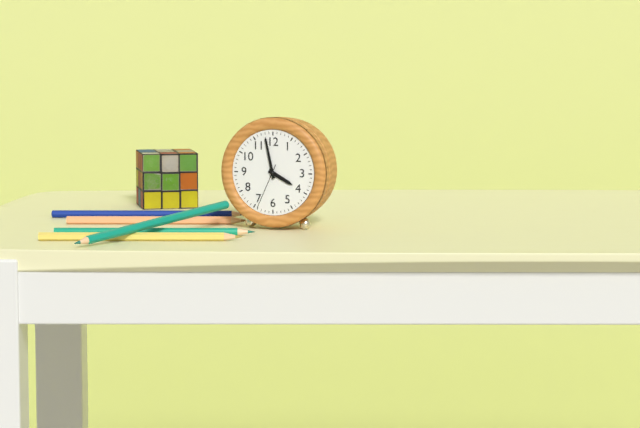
{"hour": 3, "minute": 58}
